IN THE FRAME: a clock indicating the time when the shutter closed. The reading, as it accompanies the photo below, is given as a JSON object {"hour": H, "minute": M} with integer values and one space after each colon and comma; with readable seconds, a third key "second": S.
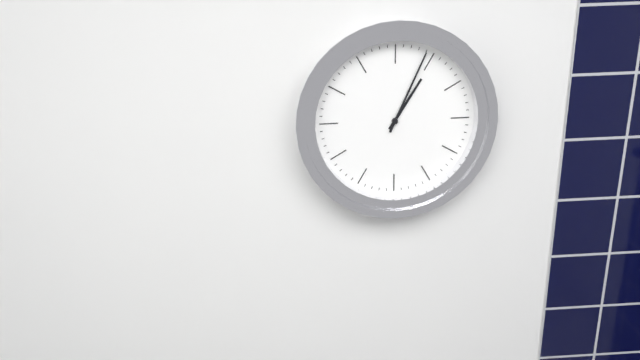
{"hour": 1, "minute": 4}
